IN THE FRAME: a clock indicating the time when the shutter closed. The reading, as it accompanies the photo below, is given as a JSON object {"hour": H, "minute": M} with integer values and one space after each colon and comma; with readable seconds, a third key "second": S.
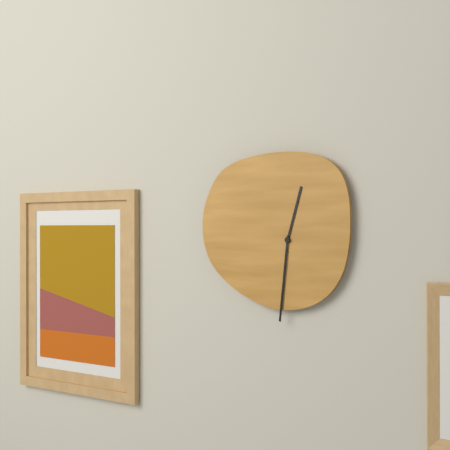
{"hour": 12, "minute": 31}
